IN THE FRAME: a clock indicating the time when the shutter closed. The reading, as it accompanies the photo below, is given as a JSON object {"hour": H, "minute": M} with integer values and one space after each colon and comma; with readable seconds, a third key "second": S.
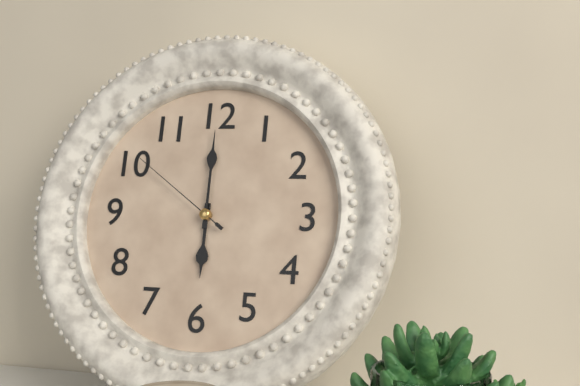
{"hour": 6, "minute": 0, "second": 51}
